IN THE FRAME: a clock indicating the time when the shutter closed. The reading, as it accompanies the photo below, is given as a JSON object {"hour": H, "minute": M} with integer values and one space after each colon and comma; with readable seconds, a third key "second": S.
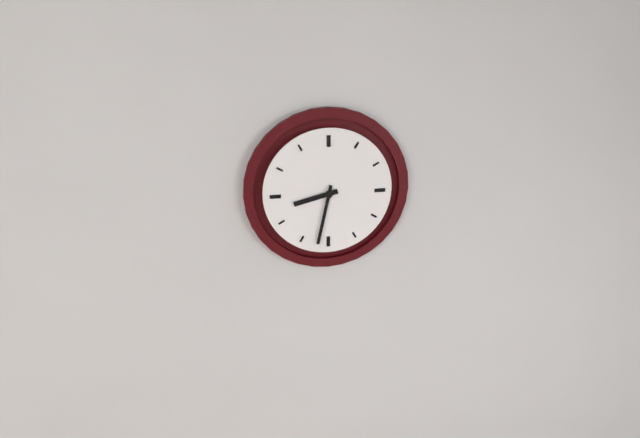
{"hour": 8, "minute": 32}
